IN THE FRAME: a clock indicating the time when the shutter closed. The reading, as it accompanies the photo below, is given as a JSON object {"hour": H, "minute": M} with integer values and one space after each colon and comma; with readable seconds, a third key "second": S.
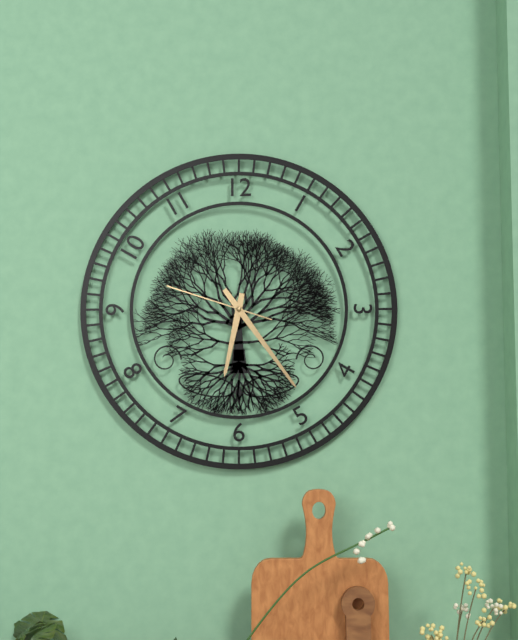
{"hour": 6, "minute": 24, "second": 48}
